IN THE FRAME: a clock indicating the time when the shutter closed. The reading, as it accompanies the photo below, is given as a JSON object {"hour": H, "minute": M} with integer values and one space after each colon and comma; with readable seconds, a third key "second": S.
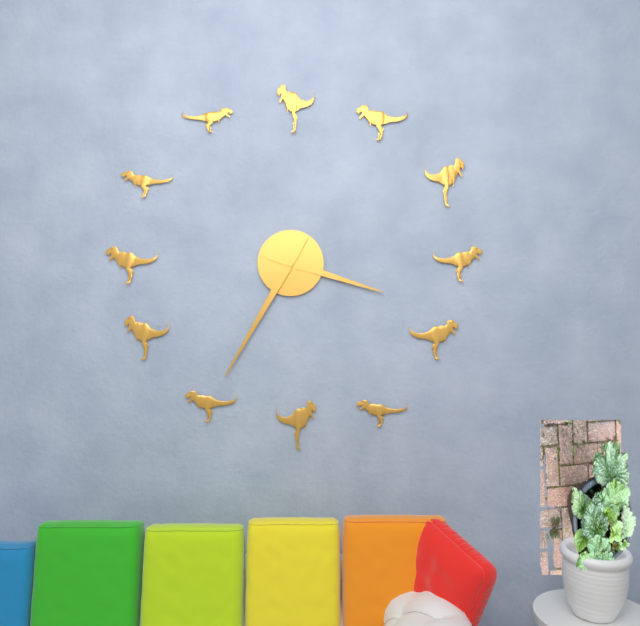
{"hour": 3, "minute": 35}
